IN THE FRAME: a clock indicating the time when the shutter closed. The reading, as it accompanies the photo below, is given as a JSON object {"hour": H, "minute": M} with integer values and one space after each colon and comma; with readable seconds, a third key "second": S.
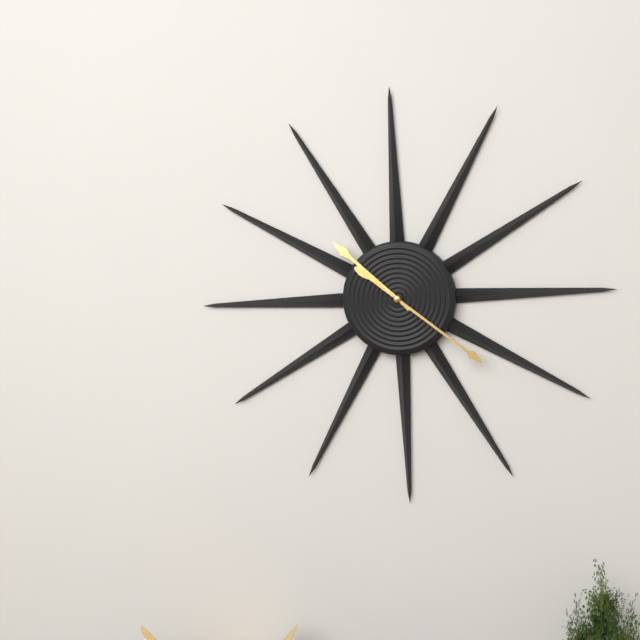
{"hour": 10, "minute": 21}
